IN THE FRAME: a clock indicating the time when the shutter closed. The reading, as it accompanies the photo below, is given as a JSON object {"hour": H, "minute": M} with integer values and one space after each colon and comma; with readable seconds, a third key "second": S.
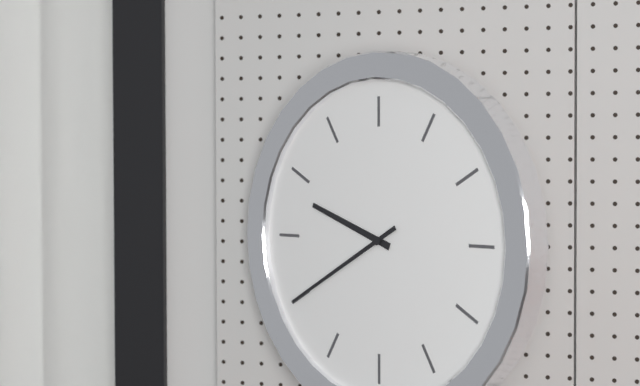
{"hour": 9, "minute": 40}
